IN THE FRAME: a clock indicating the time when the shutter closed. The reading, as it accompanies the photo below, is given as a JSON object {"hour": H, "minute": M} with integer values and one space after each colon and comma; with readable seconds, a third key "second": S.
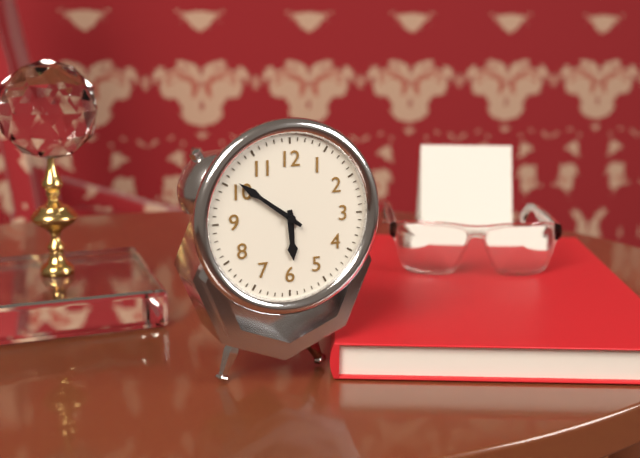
{"hour": 5, "minute": 51}
